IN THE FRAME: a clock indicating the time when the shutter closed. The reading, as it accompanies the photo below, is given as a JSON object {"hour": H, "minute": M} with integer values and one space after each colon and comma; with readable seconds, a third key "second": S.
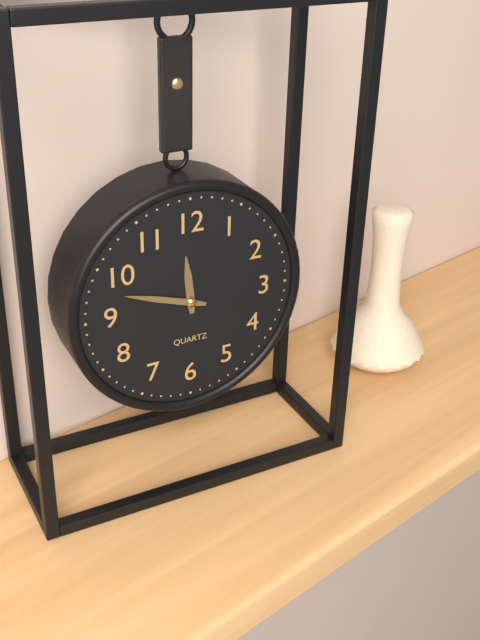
{"hour": 11, "minute": 48}
